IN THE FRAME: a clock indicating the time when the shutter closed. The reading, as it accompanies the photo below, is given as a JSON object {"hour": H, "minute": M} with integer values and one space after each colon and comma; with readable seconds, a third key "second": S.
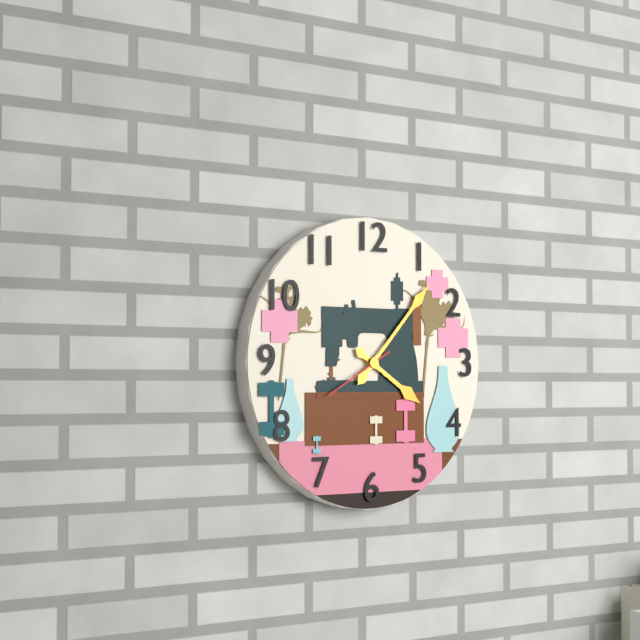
{"hour": 4, "minute": 7, "second": 40}
